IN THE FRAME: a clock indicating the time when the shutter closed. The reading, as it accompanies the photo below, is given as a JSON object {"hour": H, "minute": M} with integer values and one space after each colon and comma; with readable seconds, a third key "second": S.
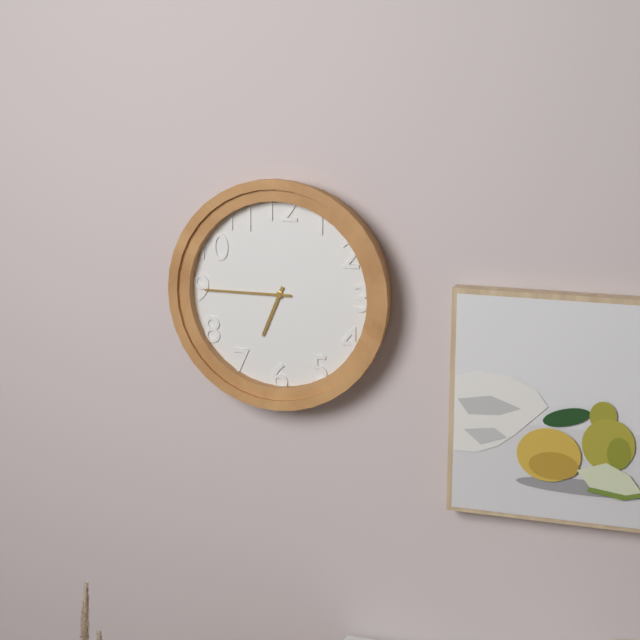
{"hour": 6, "minute": 45}
